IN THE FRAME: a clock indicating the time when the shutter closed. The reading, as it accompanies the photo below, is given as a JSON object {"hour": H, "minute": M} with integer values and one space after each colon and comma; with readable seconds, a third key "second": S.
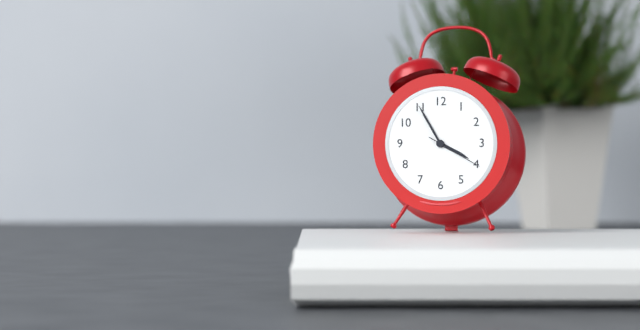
{"hour": 3, "minute": 55, "second": 20}
